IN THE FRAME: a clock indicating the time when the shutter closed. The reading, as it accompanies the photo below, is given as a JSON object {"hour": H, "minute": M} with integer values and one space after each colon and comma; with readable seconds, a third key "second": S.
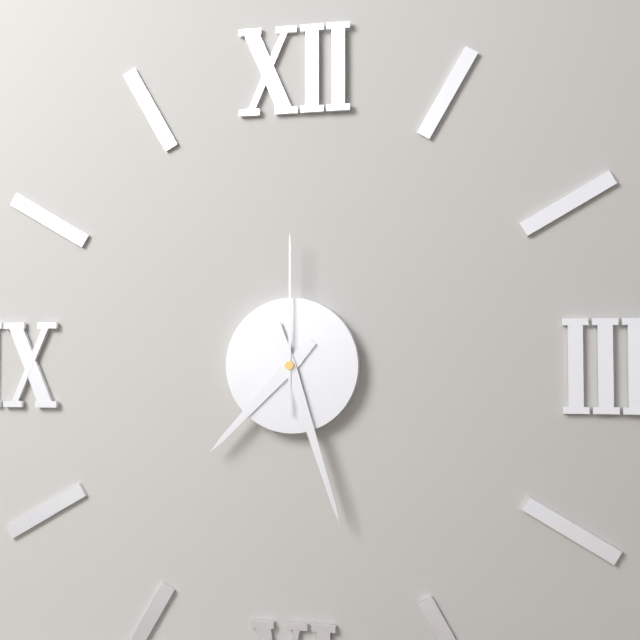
{"hour": 7, "minute": 27, "second": 0}
